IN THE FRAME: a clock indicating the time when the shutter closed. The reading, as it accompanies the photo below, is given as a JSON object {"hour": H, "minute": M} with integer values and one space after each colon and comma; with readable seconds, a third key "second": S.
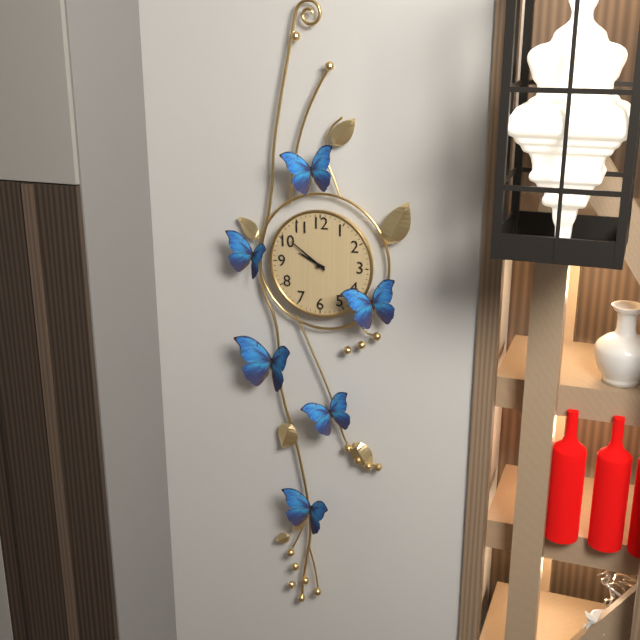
{"hour": 9, "minute": 51}
